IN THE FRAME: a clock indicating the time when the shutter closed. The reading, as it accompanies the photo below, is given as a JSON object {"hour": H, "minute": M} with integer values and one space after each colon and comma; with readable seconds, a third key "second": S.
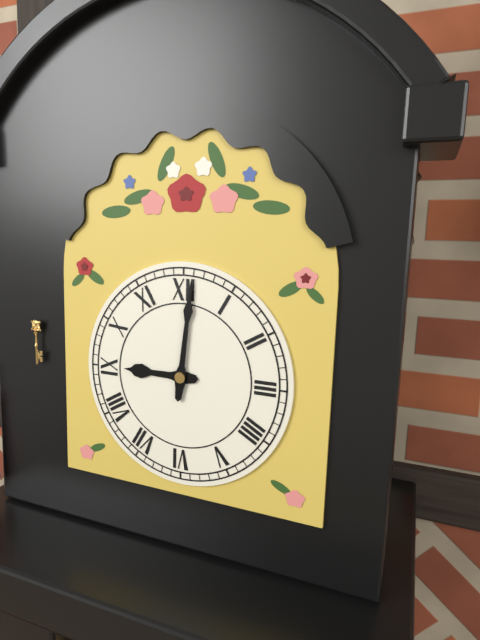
{"hour": 9, "minute": 1}
